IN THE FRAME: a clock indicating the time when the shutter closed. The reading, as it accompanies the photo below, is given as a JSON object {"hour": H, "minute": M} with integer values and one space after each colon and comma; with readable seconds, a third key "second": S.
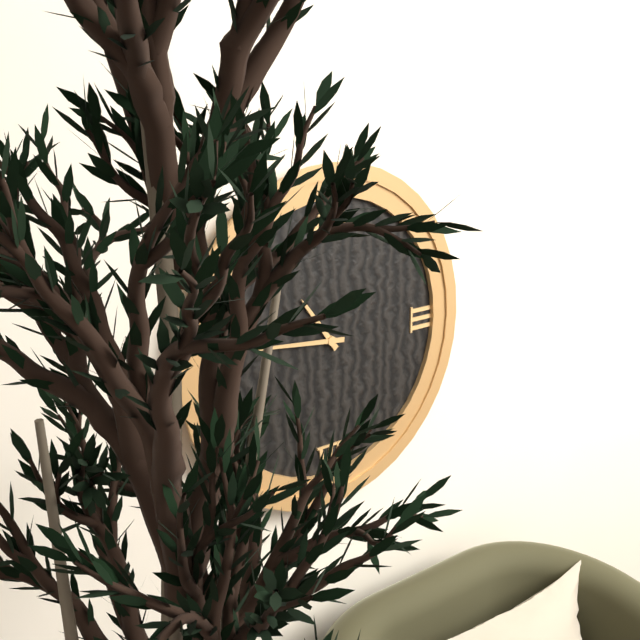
{"hour": 10, "minute": 46}
